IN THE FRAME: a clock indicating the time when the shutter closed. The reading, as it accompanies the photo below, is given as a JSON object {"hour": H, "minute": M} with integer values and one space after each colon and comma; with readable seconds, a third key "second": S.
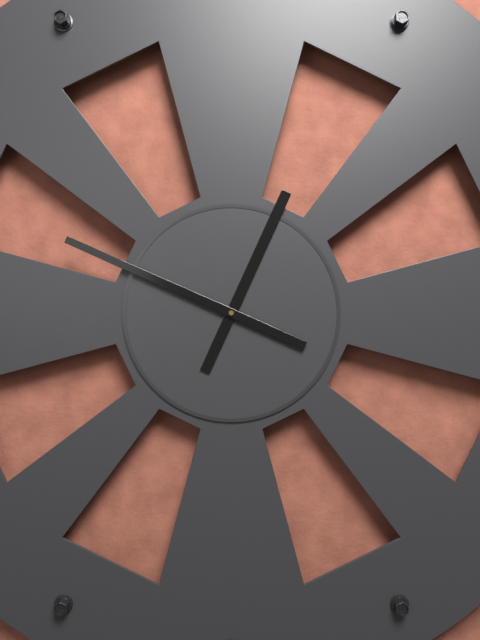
{"hour": 12, "minute": 49}
